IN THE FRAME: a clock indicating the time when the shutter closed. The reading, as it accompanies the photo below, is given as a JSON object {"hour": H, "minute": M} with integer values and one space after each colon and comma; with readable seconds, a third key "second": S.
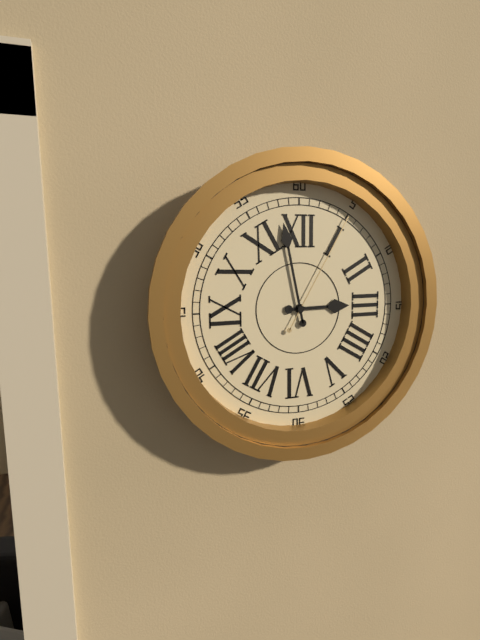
{"hour": 2, "minute": 58, "second": 5}
